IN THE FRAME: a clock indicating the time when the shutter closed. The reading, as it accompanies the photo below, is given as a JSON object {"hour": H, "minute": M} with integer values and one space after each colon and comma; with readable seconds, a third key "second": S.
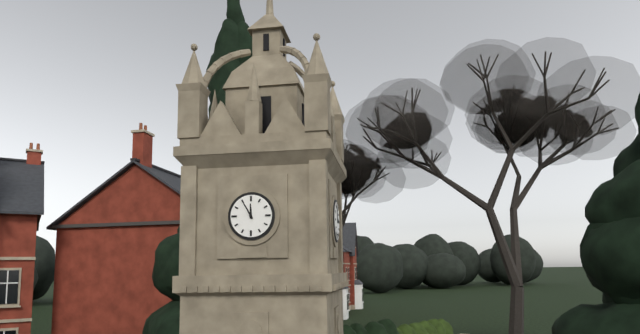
{"hour": 11, "minute": 55}
